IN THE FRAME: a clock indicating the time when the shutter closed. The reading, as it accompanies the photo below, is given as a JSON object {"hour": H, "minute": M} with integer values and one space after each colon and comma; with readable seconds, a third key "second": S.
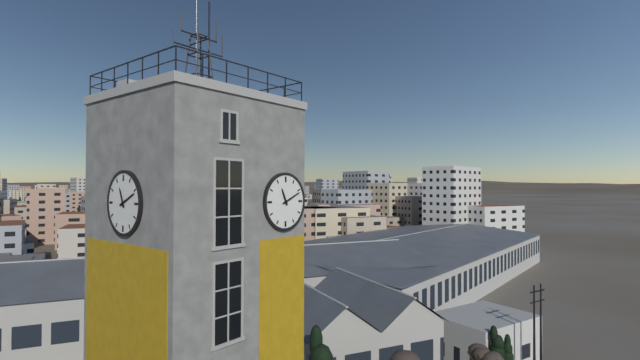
{"hour": 11, "minute": 11}
